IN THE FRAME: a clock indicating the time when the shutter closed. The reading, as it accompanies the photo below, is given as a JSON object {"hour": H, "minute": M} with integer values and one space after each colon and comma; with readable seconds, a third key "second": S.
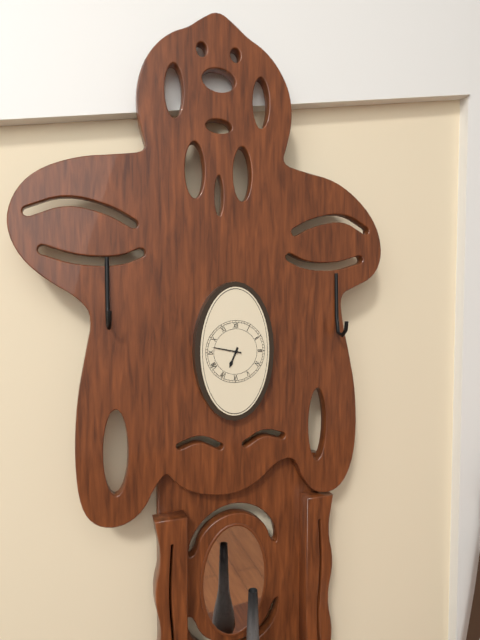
{"hour": 6, "minute": 47}
